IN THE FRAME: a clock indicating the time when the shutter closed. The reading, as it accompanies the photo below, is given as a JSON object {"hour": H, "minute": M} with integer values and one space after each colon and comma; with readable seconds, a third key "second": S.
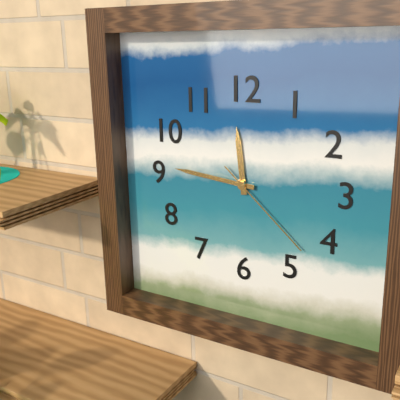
{"hour": 11, "minute": 46, "second": 22}
